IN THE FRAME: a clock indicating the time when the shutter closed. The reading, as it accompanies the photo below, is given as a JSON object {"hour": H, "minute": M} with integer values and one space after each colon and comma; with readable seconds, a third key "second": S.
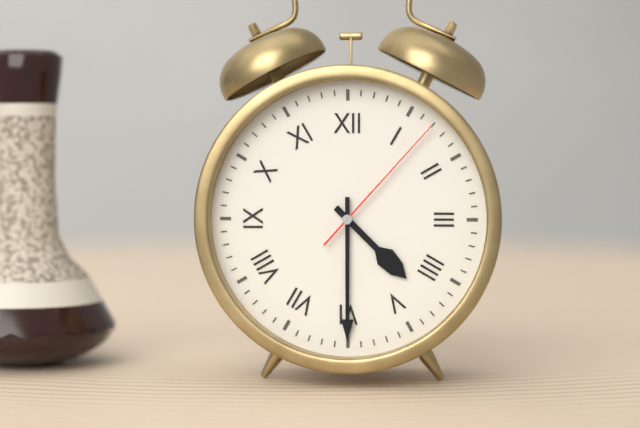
{"hour": 4, "minute": 30, "second": 7}
